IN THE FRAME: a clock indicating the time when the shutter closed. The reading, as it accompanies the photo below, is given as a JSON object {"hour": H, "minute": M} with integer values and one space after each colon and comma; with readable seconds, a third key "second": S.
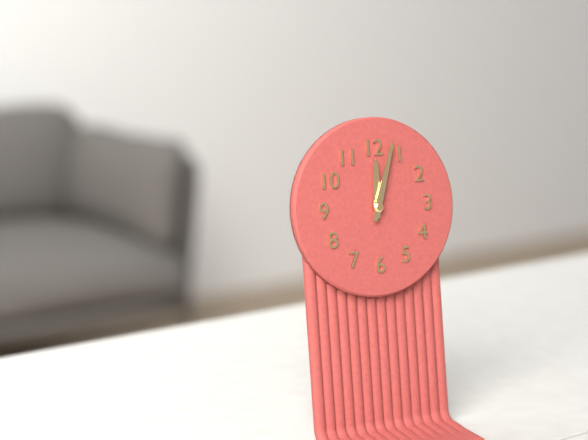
{"hour": 12, "minute": 3}
